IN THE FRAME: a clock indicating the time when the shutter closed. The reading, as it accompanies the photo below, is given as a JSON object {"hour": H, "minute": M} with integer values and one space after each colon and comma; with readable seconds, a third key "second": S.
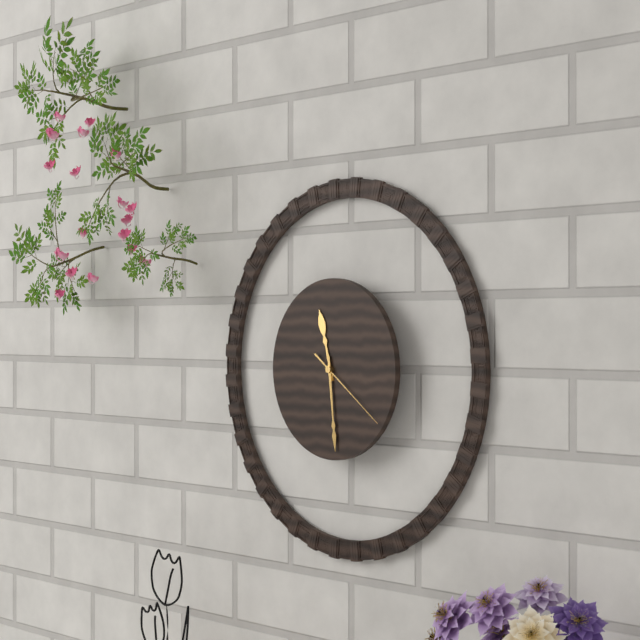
{"hour": 11, "minute": 29, "second": 21}
